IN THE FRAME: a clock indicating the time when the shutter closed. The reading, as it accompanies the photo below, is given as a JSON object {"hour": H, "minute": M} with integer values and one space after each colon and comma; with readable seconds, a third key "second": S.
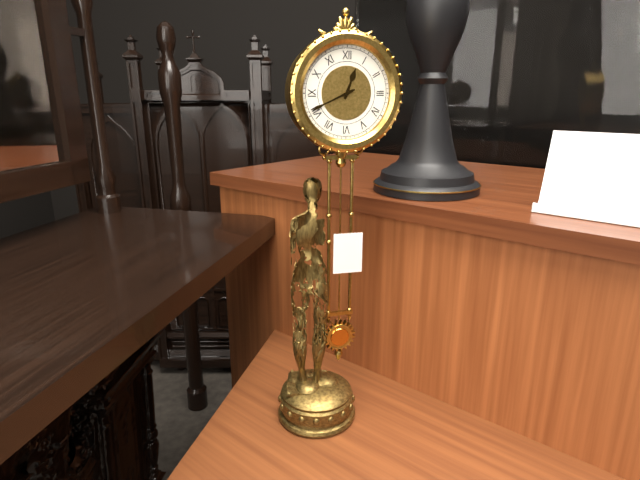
{"hour": 12, "minute": 41}
